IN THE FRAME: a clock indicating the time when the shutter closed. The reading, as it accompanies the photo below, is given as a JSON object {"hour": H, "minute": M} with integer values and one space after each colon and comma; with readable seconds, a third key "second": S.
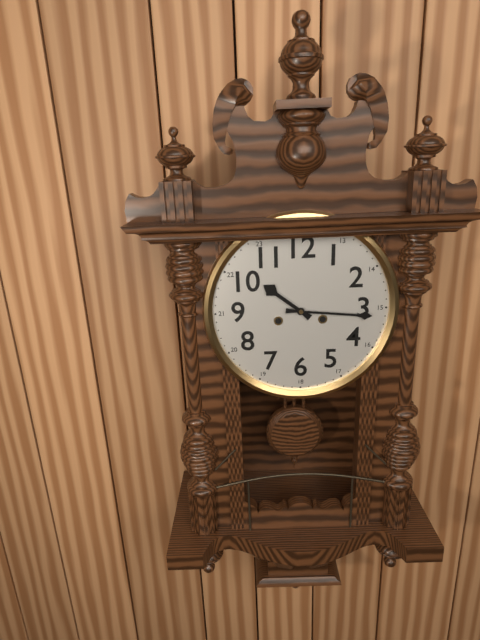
{"hour": 10, "minute": 16}
